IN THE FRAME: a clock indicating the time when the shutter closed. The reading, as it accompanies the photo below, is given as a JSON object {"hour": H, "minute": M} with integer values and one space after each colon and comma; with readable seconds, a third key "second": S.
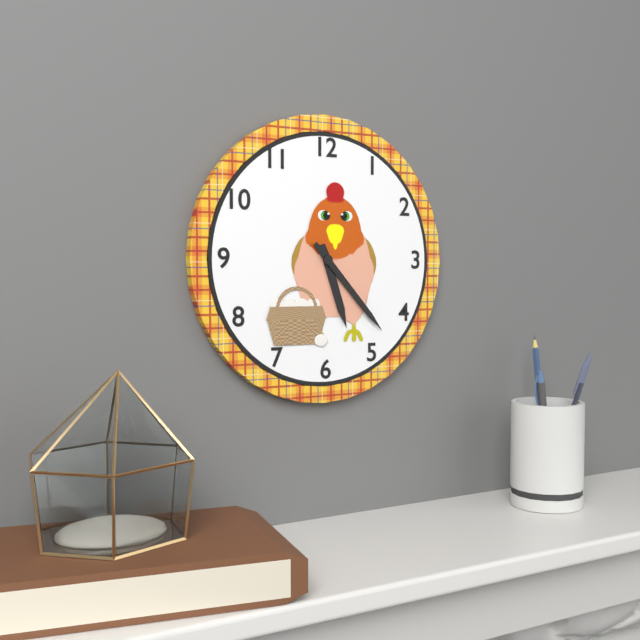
{"hour": 5, "minute": 23}
